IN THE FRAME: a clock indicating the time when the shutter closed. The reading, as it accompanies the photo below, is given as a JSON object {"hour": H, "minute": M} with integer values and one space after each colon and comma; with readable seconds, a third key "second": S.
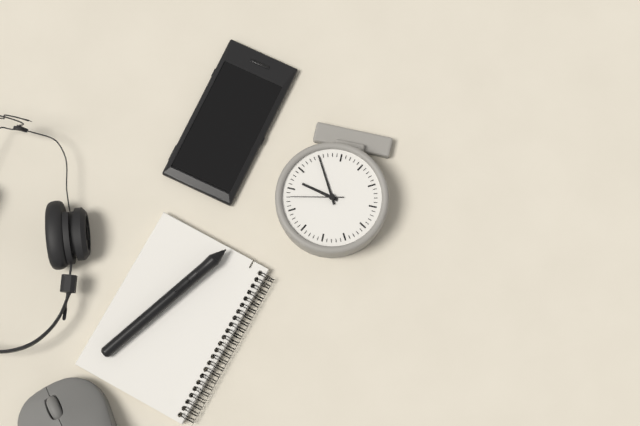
{"hour": 3, "minute": 25, "second": 13}
